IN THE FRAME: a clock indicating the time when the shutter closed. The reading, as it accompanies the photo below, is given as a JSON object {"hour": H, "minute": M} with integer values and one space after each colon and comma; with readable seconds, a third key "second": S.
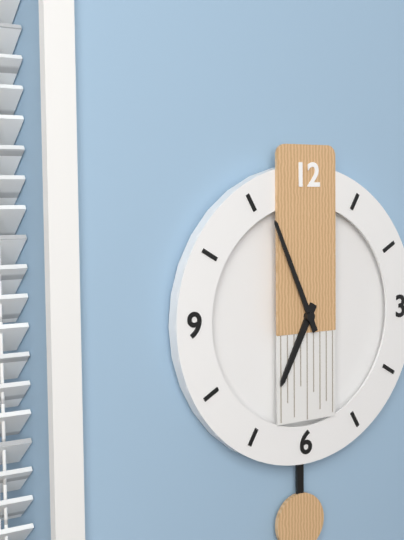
{"hour": 6, "minute": 56}
